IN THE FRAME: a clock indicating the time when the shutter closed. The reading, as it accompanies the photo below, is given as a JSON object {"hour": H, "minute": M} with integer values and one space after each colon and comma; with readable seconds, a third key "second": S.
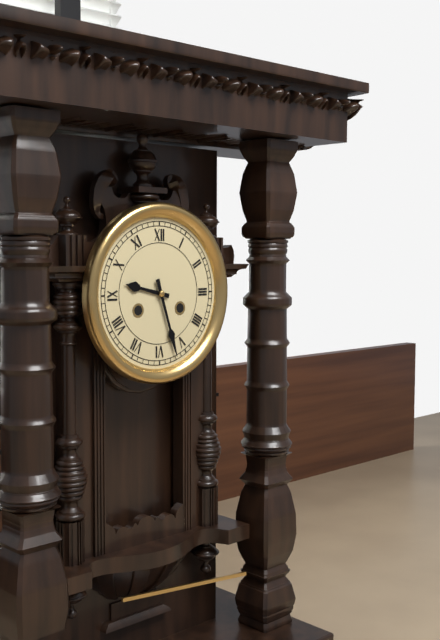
{"hour": 9, "minute": 27}
